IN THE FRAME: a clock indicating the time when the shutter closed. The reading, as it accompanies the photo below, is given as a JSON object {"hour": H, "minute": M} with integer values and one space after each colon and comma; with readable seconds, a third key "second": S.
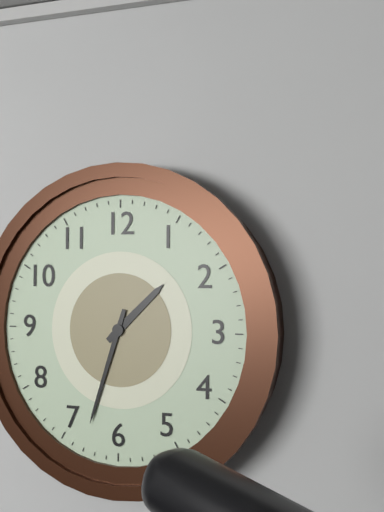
{"hour": 1, "minute": 33}
